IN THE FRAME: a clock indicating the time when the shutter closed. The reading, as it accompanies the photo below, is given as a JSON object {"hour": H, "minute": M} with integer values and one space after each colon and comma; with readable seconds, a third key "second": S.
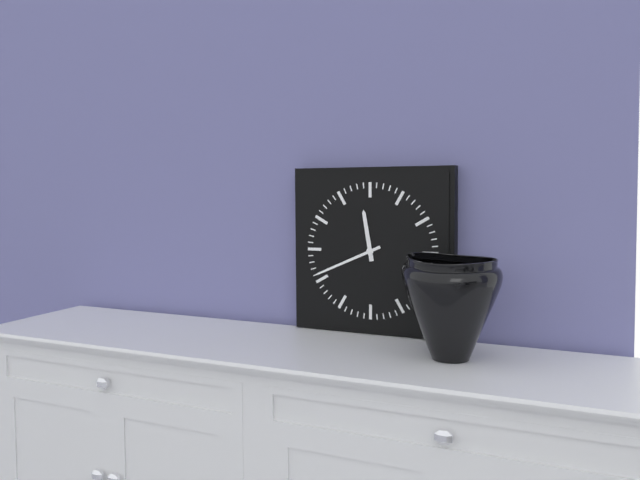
{"hour": 11, "minute": 41}
